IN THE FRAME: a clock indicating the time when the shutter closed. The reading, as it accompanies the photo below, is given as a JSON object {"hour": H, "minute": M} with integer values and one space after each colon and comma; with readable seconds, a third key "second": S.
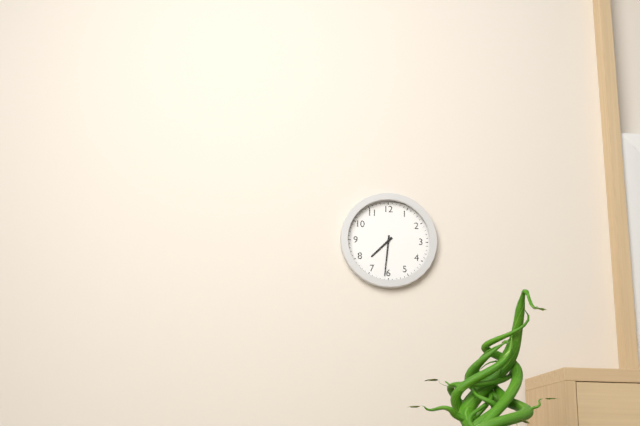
{"hour": 7, "minute": 31}
